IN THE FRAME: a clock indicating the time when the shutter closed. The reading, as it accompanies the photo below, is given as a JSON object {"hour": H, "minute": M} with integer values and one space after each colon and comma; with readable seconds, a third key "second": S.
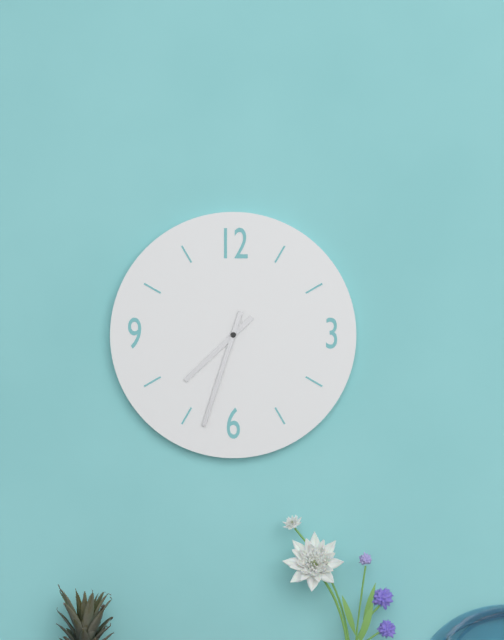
{"hour": 7, "minute": 33}
